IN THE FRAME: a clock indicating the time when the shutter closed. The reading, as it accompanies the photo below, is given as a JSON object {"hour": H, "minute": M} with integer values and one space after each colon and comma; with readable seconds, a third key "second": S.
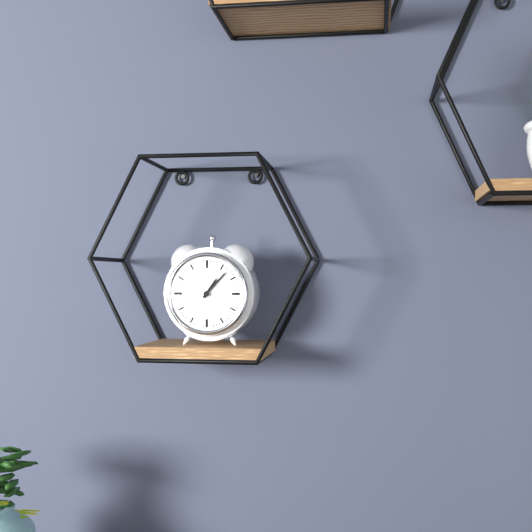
{"hour": 1, "minute": 7}
